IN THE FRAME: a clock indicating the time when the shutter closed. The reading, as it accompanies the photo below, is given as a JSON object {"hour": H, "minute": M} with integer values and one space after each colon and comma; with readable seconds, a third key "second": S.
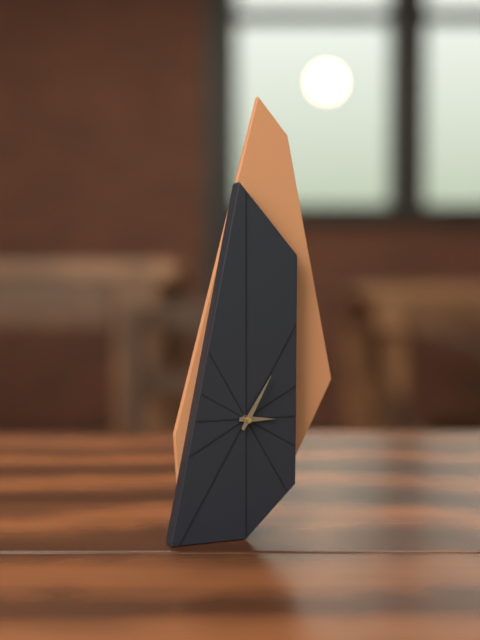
{"hour": 3, "minute": 5}
